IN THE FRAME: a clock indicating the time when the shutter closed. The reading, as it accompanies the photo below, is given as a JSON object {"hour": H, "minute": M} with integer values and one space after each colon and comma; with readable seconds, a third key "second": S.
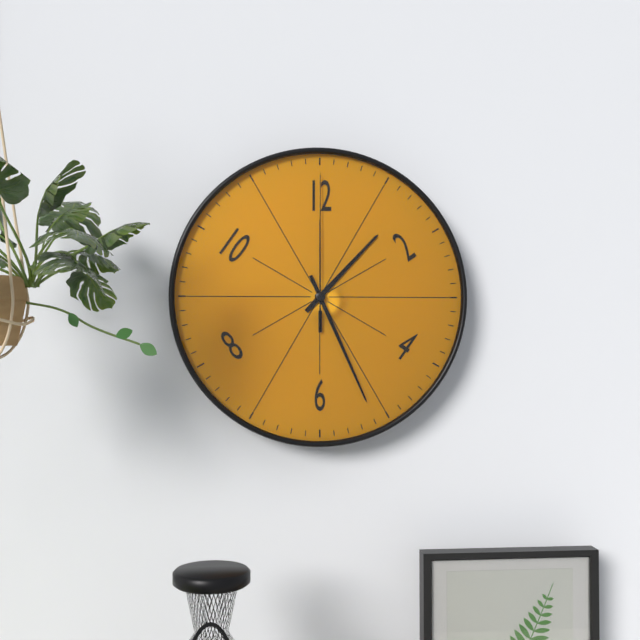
{"hour": 1, "minute": 26, "second": 0}
